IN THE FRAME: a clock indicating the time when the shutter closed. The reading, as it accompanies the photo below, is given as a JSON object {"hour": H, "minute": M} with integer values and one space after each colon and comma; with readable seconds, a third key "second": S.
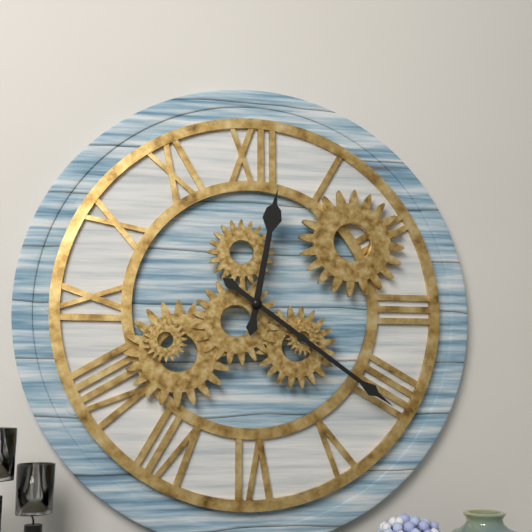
{"hour": 12, "minute": 21}
